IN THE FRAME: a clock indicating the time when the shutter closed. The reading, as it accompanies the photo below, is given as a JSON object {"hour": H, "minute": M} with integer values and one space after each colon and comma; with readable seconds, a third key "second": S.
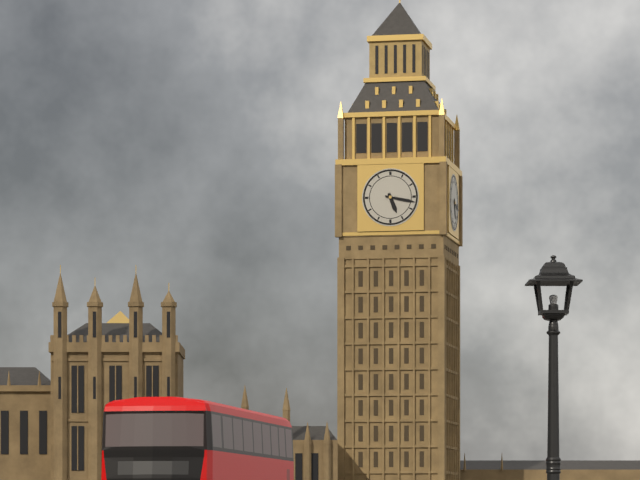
{"hour": 5, "minute": 17}
